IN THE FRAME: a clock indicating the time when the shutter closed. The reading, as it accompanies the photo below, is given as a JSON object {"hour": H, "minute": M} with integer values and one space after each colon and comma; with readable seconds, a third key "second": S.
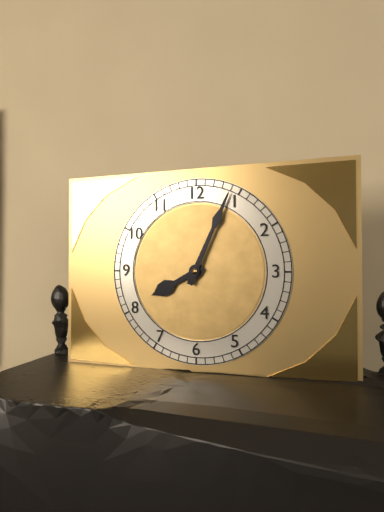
{"hour": 8, "minute": 4}
